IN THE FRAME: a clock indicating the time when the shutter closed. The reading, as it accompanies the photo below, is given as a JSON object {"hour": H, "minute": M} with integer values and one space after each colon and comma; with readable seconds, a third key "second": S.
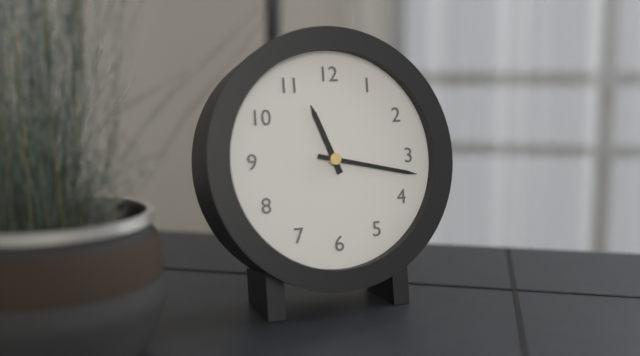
{"hour": 11, "minute": 17}
